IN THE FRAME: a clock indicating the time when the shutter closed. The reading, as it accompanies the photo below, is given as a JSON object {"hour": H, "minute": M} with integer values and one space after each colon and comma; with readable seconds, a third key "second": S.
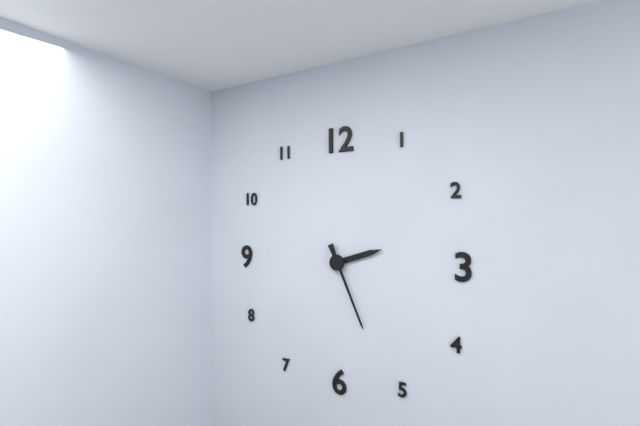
{"hour": 2, "minute": 26}
